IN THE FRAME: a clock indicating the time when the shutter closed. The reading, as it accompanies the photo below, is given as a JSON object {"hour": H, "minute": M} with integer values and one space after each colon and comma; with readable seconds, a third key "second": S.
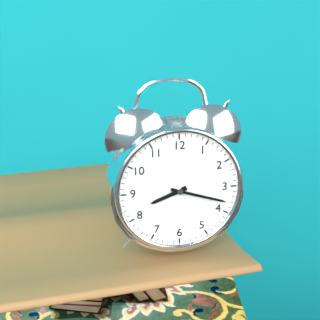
{"hour": 8, "minute": 18}
